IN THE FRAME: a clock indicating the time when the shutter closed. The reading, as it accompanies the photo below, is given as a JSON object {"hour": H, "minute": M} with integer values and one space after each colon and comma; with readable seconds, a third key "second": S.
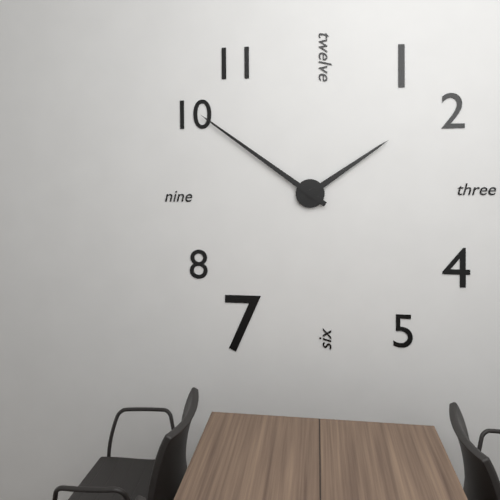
{"hour": 1, "minute": 51}
